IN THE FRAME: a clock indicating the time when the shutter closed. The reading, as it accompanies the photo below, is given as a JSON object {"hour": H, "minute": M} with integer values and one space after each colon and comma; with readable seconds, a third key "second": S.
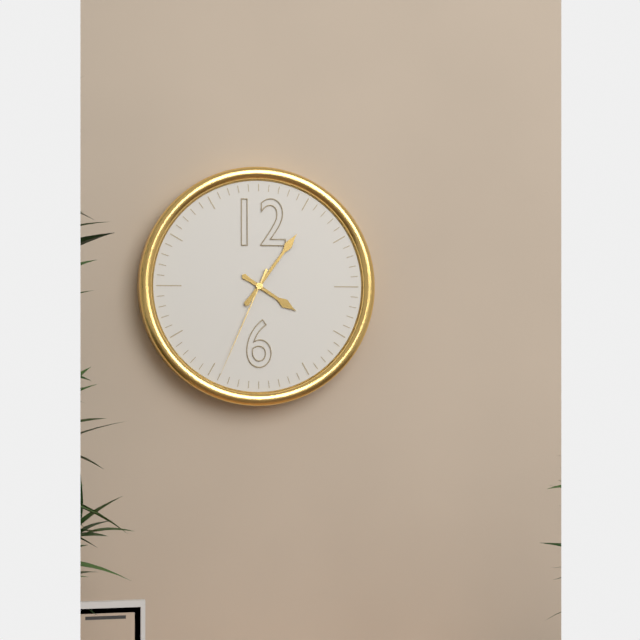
{"hour": 4, "minute": 6, "second": 34}
